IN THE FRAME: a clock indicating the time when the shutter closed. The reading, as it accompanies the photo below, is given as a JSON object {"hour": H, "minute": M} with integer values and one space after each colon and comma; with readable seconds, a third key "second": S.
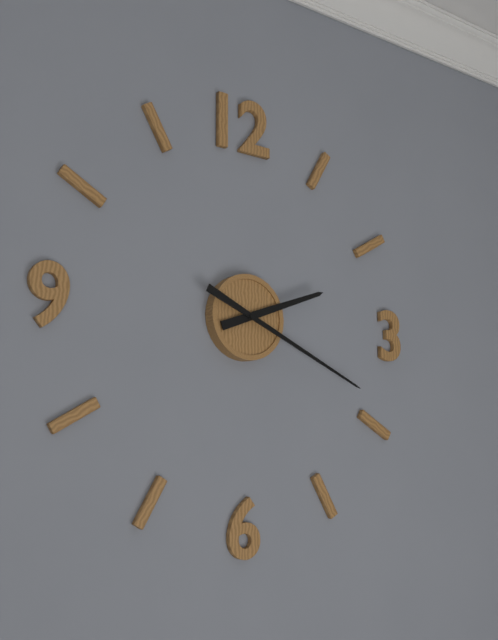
{"hour": 2, "minute": 19}
